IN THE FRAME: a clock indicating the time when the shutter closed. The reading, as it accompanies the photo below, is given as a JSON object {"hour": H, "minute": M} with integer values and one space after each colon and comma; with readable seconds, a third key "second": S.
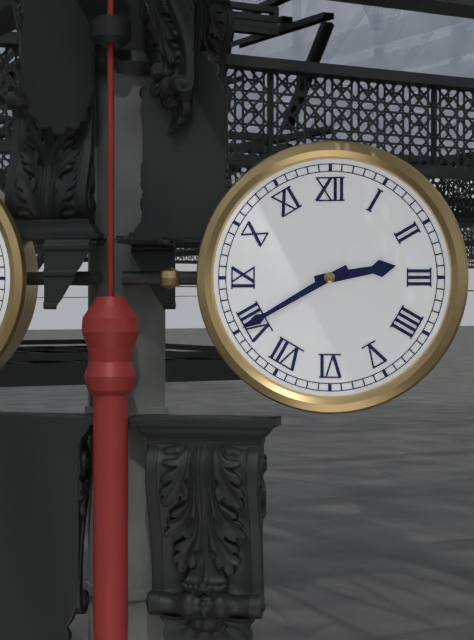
{"hour": 2, "minute": 40}
